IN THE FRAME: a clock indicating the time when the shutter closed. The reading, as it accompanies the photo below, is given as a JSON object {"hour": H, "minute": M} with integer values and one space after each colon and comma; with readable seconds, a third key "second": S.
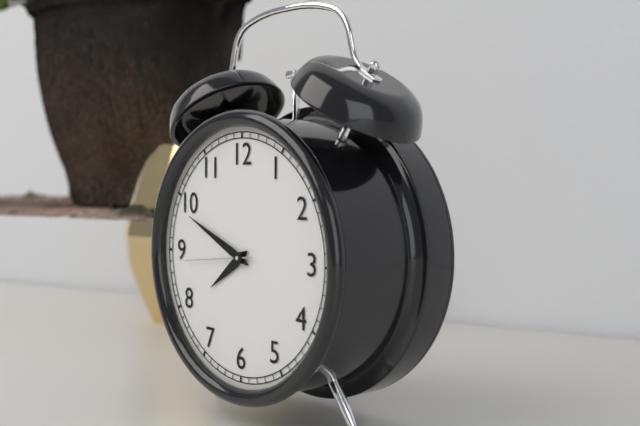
{"hour": 7, "minute": 49, "second": 44}
